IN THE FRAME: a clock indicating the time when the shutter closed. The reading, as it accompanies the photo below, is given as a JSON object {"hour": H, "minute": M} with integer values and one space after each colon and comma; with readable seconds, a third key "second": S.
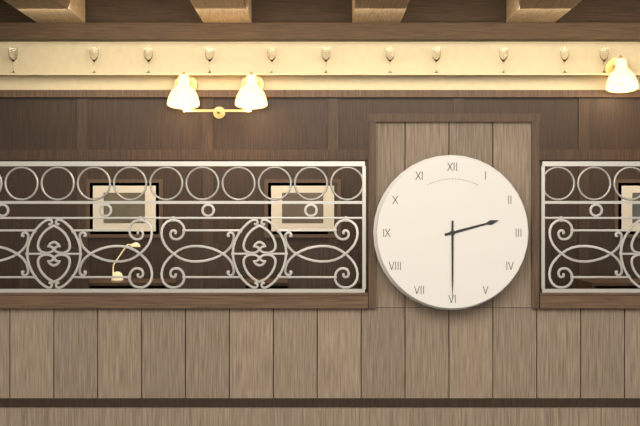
{"hour": 2, "minute": 30}
